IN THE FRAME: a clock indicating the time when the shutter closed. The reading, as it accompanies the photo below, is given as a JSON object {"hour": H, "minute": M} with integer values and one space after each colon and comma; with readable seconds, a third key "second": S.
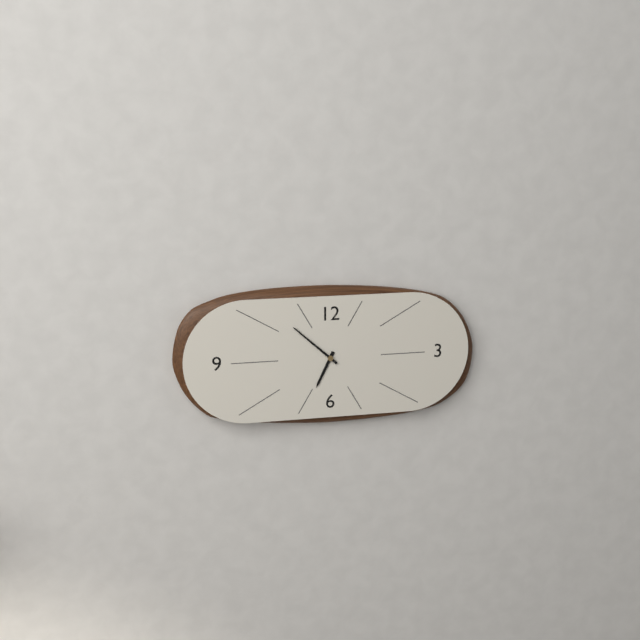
{"hour": 6, "minute": 52}
